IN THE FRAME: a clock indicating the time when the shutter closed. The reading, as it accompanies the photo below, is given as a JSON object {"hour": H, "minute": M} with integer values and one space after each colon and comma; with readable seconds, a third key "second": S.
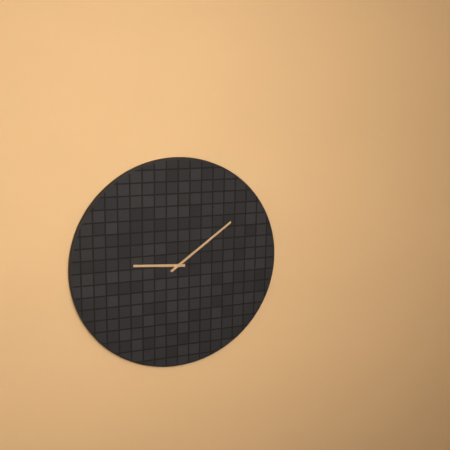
{"hour": 9, "minute": 9}
